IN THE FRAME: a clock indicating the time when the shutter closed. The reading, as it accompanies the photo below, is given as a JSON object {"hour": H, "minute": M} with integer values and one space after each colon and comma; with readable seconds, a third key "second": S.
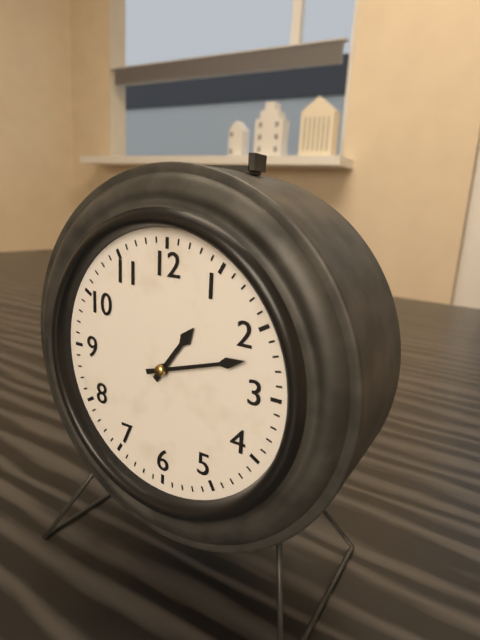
{"hour": 1, "minute": 12}
